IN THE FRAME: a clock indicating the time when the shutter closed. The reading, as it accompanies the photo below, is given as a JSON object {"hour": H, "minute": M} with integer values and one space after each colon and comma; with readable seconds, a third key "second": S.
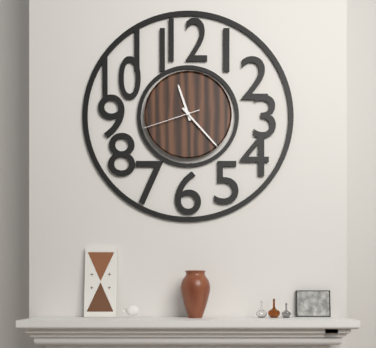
{"hour": 11, "minute": 23, "second": 42}
